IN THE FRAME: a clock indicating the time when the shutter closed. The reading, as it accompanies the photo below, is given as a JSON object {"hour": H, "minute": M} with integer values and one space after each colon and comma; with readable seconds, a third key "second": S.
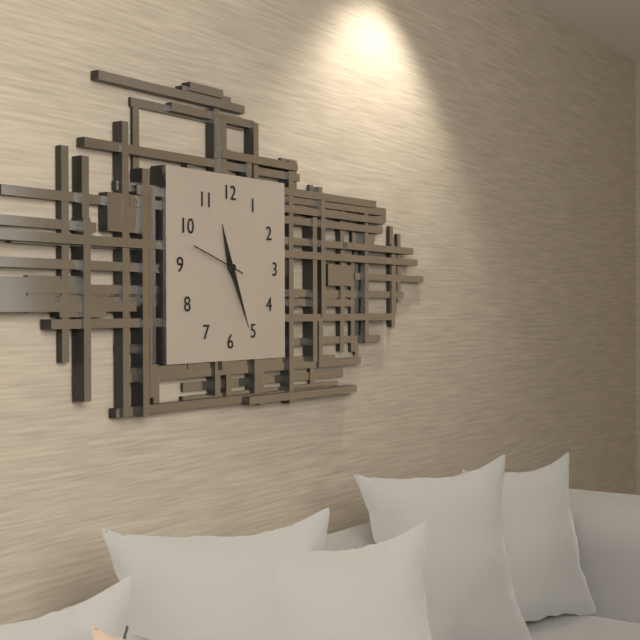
{"hour": 11, "minute": 26, "second": 48}
